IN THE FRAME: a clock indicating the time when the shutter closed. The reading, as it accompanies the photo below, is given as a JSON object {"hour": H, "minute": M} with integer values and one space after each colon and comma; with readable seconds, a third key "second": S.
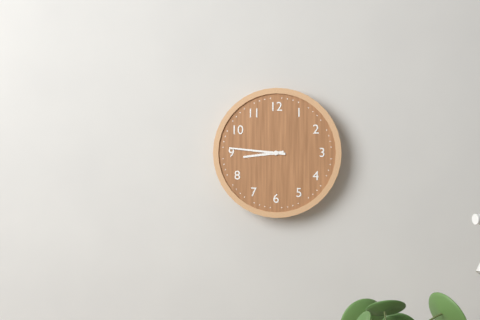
{"hour": 8, "minute": 46}
